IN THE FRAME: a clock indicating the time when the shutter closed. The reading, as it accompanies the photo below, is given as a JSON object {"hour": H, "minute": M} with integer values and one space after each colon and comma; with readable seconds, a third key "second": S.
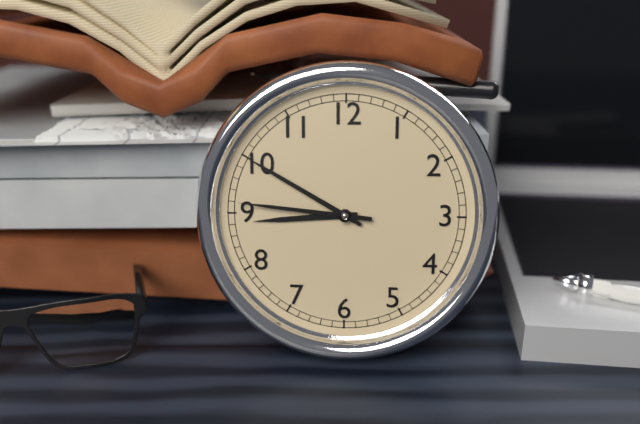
{"hour": 8, "minute": 50, "second": 46}
